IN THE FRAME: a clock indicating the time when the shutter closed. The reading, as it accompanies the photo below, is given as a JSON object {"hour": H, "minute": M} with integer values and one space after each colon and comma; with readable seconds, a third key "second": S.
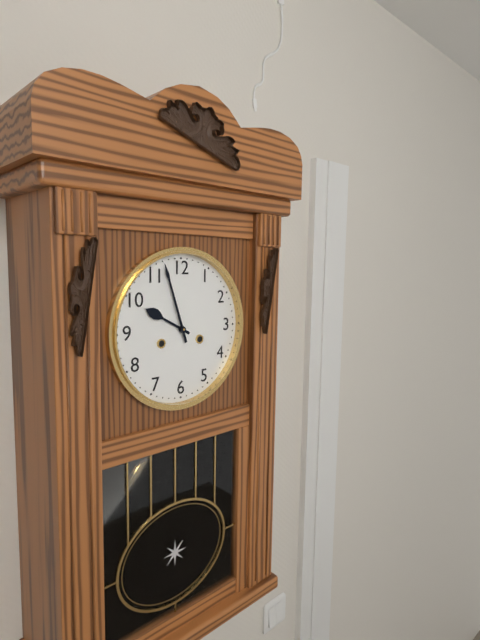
{"hour": 9, "minute": 57}
